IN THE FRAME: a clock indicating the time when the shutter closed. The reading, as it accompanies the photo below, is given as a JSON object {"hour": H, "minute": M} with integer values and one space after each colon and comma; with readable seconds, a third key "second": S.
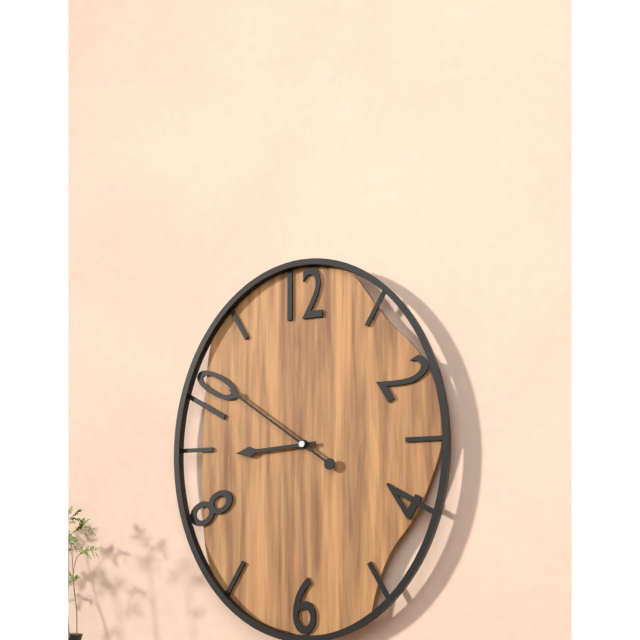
{"hour": 8, "minute": 51}
